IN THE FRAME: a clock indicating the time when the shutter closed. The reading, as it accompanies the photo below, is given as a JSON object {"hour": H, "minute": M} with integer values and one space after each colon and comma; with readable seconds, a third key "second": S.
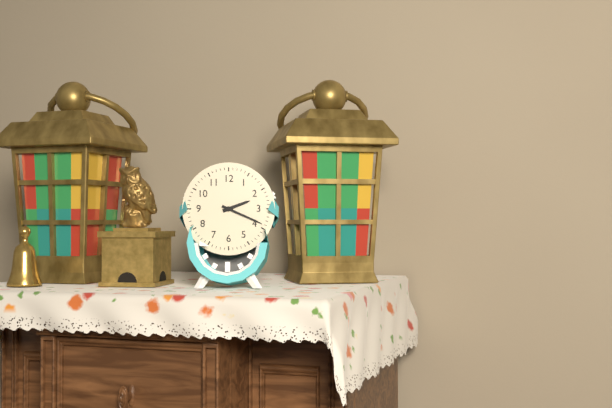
{"hour": 2, "minute": 19}
